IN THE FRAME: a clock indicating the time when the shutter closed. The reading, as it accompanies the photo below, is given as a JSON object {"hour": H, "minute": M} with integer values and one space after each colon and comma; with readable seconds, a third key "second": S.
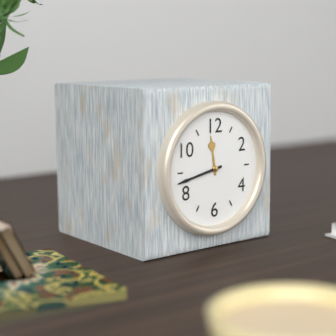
{"hour": 11, "minute": 43}
